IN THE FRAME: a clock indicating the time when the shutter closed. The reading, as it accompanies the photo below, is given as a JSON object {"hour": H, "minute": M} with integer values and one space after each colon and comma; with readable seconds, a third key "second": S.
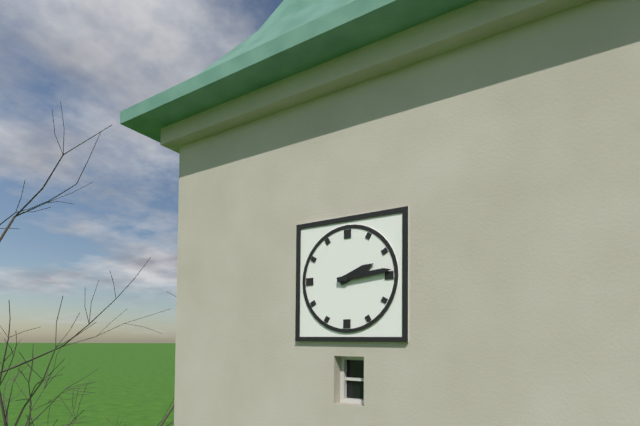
{"hour": 2, "minute": 14}
